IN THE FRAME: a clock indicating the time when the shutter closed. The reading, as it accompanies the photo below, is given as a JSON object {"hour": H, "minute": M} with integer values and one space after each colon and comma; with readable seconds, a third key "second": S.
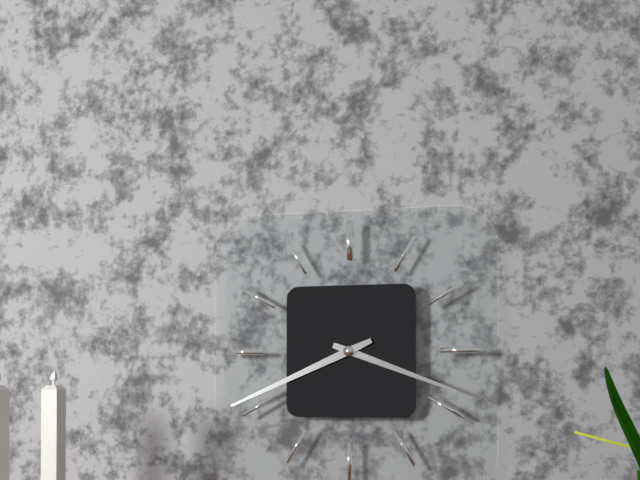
{"hour": 3, "minute": 41}
